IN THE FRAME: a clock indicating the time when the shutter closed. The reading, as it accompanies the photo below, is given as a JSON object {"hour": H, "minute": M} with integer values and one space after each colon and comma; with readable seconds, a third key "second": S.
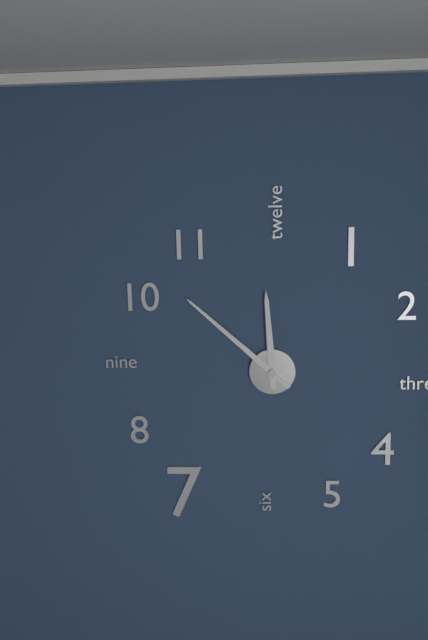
{"hour": 11, "minute": 52}
